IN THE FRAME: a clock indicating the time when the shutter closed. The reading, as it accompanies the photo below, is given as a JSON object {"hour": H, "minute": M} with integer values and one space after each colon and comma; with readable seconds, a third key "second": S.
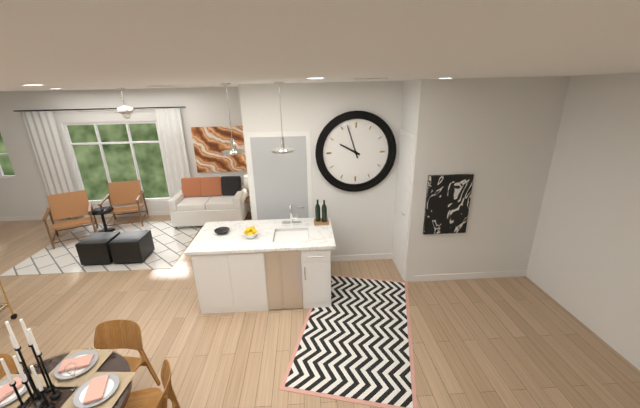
{"hour": 9, "minute": 57}
